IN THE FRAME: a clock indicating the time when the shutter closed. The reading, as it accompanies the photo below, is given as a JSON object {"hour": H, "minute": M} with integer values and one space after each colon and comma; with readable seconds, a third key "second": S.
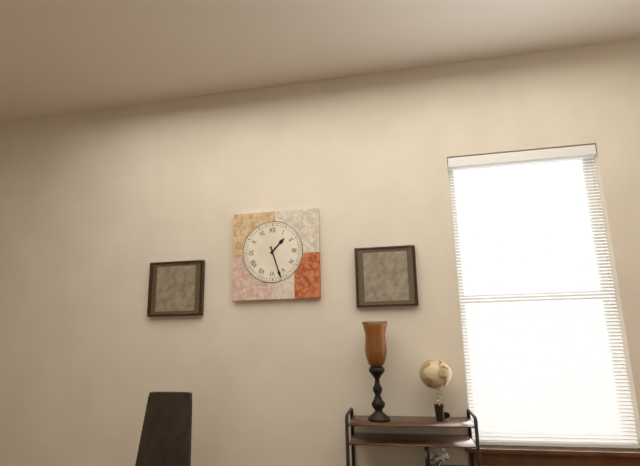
{"hour": 1, "minute": 27}
